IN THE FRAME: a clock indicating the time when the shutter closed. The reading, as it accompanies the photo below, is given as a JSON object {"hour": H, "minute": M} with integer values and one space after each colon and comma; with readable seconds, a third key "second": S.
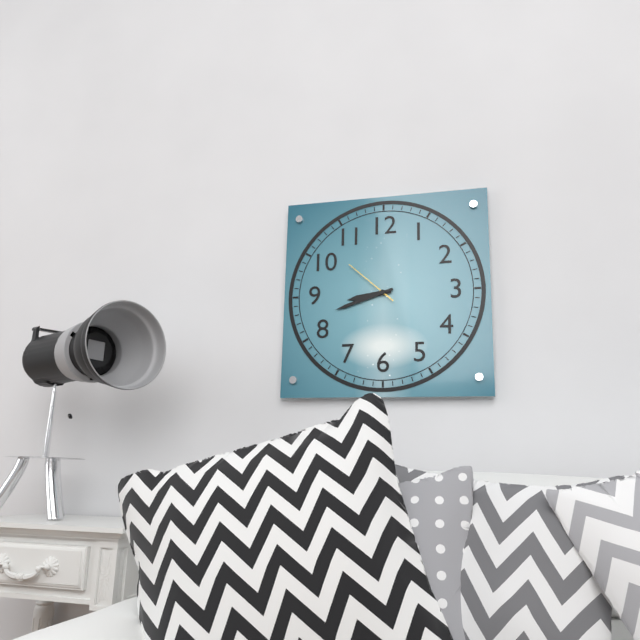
{"hour": 8, "minute": 42, "second": 52}
